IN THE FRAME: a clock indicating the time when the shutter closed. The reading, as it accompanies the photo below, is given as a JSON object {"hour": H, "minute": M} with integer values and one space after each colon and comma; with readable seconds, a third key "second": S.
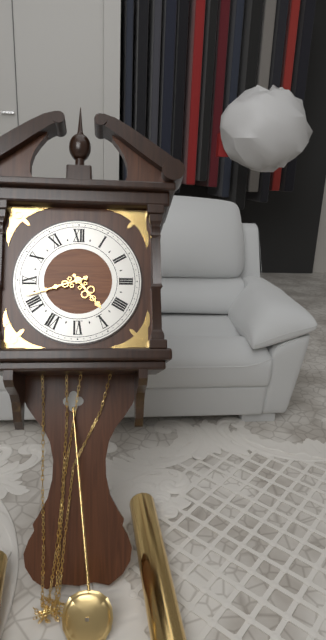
{"hour": 4, "minute": 42}
